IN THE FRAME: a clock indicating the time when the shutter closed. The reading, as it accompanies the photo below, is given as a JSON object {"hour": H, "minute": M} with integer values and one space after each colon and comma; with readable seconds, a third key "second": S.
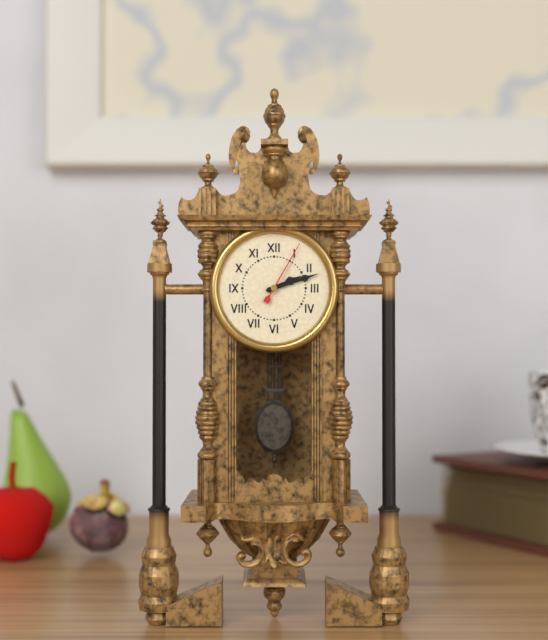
{"hour": 2, "minute": 12, "second": 5}
